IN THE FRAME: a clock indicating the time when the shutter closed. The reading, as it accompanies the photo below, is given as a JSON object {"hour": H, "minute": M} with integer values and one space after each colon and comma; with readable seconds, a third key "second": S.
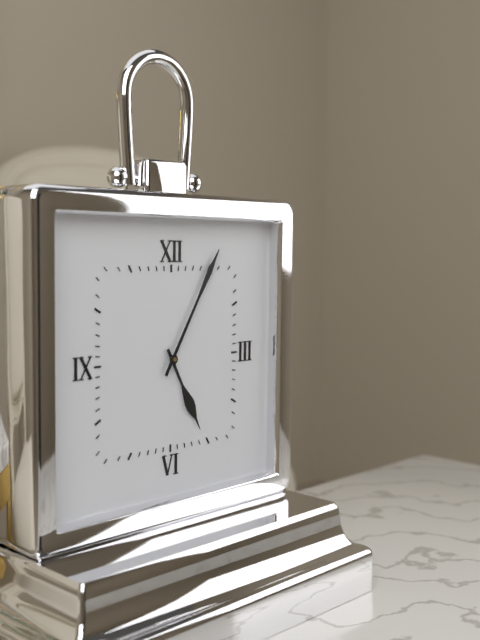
{"hour": 5, "minute": 5}
